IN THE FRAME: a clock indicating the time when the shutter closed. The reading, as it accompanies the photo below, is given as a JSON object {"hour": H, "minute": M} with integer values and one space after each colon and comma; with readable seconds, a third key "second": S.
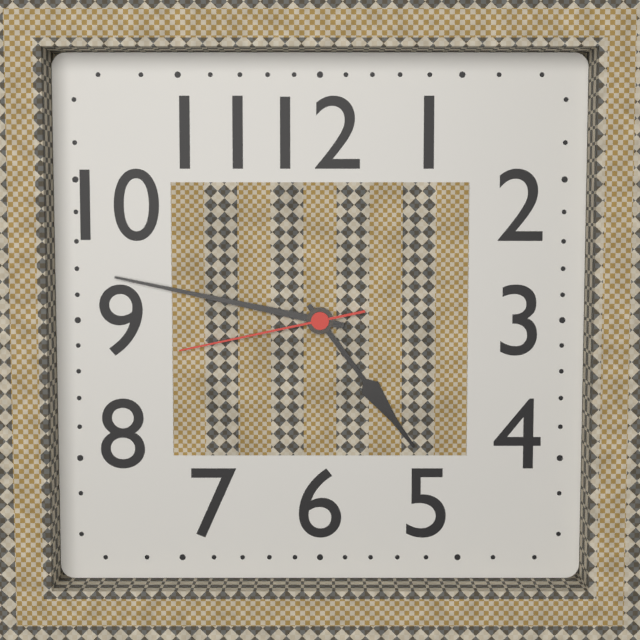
{"hour": 4, "minute": 47, "second": 43}
